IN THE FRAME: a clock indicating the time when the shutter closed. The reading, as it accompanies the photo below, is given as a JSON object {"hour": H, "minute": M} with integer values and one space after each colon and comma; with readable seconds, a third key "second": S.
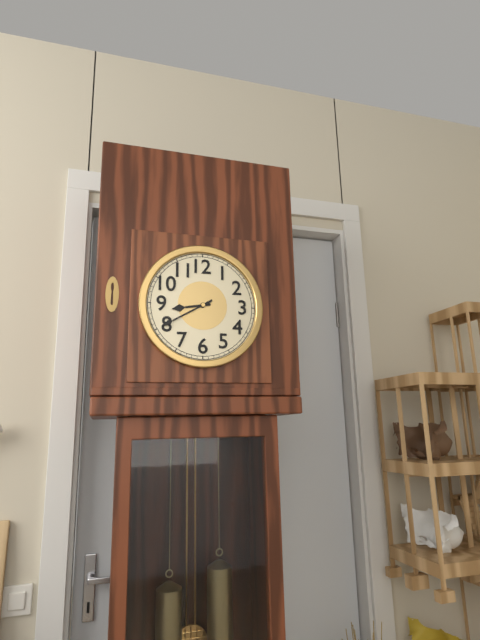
{"hour": 8, "minute": 40}
